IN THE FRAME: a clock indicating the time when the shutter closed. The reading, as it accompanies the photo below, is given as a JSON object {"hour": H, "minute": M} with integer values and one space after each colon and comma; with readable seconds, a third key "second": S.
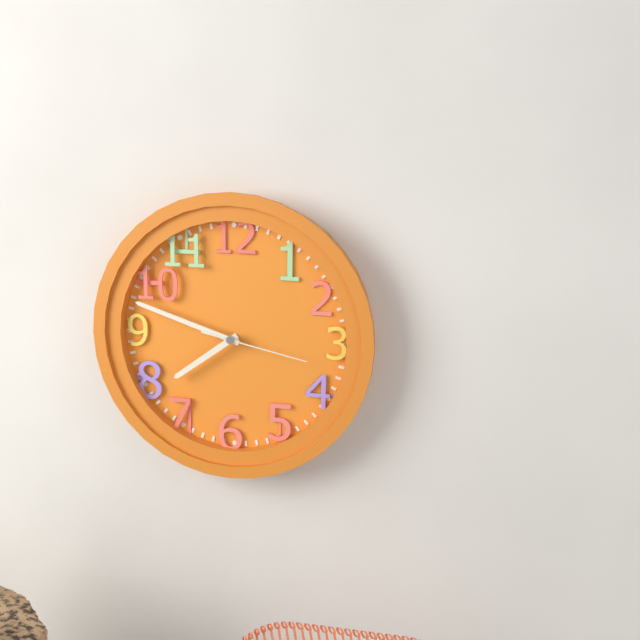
{"hour": 7, "minute": 48, "second": 17}
